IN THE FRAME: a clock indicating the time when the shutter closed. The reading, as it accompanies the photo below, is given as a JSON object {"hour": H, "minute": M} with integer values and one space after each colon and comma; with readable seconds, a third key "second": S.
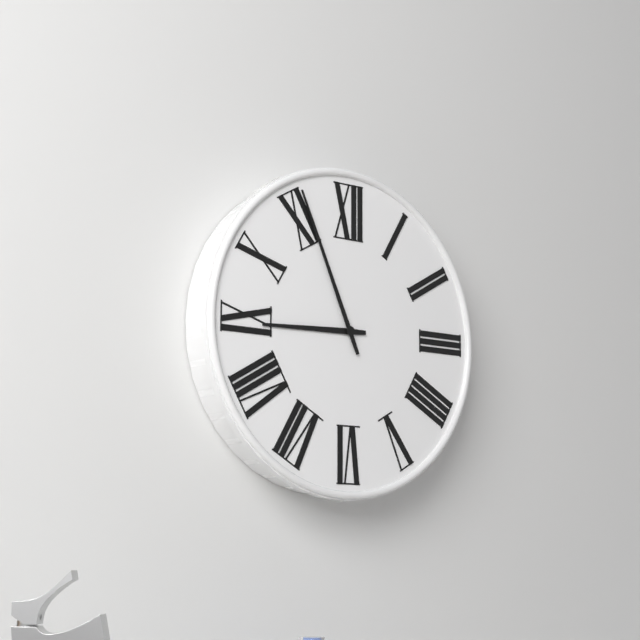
{"hour": 8, "minute": 56}
